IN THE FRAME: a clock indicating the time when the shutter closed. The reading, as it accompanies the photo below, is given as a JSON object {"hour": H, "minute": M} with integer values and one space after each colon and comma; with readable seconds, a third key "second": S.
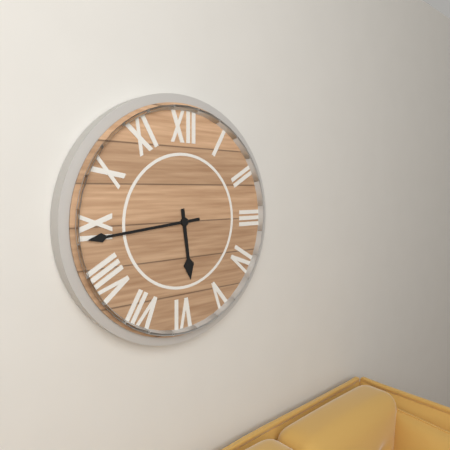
{"hour": 5, "minute": 44}
